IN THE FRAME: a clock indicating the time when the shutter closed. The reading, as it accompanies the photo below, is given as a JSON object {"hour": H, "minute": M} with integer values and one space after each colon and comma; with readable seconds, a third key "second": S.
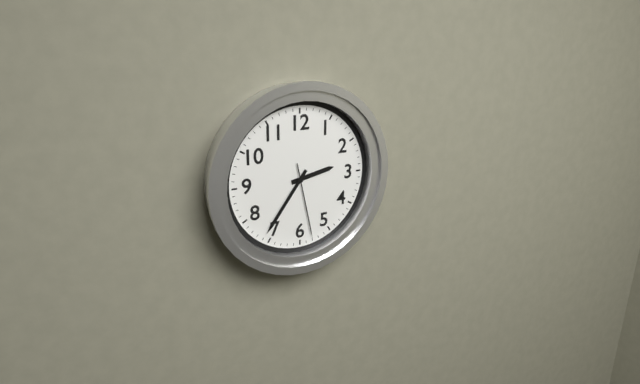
{"hour": 2, "minute": 36, "second": 28}
